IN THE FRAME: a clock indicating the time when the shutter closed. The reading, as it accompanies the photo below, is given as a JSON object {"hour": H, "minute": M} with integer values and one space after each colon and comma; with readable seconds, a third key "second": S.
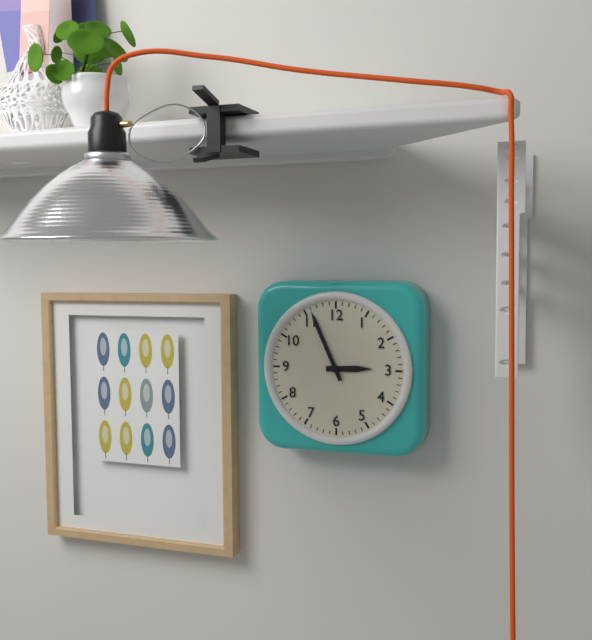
{"hour": 2, "minute": 56}
